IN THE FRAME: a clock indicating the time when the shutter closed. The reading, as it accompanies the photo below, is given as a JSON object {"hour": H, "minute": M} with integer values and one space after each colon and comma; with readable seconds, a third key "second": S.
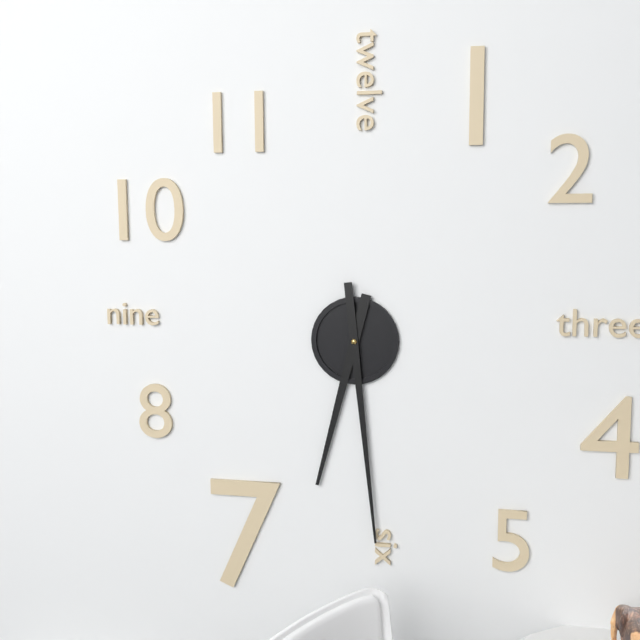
{"hour": 6, "minute": 29}
